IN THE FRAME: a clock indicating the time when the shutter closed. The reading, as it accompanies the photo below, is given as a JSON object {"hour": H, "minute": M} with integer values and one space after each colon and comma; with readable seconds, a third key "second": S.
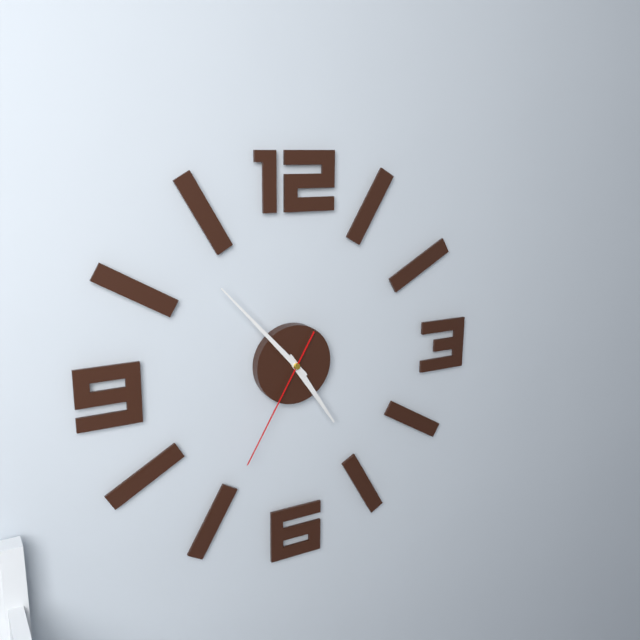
{"hour": 4, "minute": 53, "second": 35}
